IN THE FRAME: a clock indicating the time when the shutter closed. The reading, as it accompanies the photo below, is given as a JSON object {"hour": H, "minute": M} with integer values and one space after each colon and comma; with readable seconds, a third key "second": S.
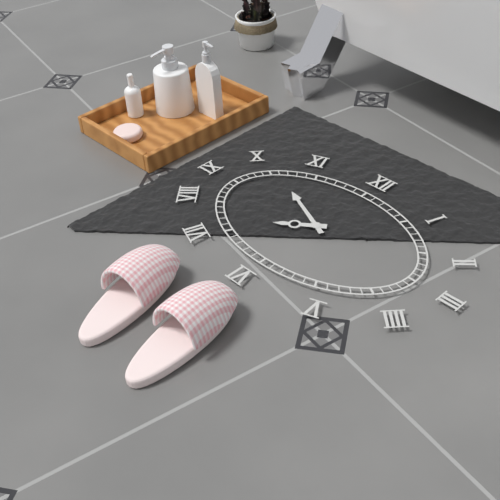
{"hour": 7, "minute": 49}
